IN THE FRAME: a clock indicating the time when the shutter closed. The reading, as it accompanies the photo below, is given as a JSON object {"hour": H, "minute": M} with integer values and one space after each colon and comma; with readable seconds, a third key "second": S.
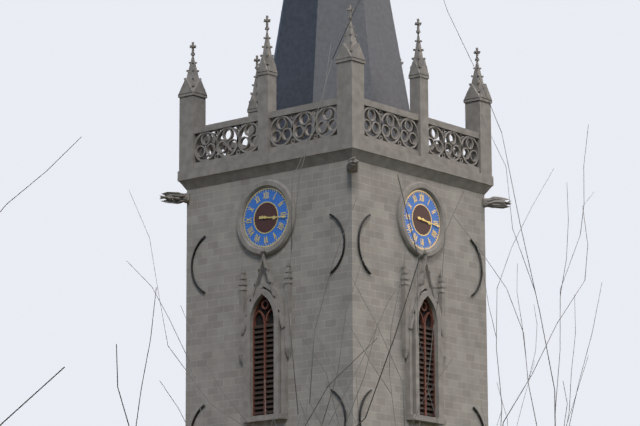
{"hour": 3, "minute": 16}
